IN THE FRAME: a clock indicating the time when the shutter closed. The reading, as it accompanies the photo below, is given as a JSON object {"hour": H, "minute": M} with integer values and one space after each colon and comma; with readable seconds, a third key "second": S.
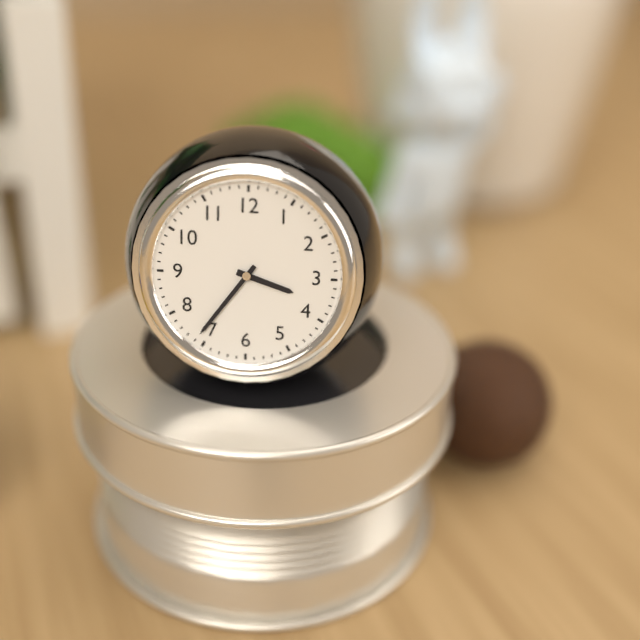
{"hour": 3, "minute": 36}
